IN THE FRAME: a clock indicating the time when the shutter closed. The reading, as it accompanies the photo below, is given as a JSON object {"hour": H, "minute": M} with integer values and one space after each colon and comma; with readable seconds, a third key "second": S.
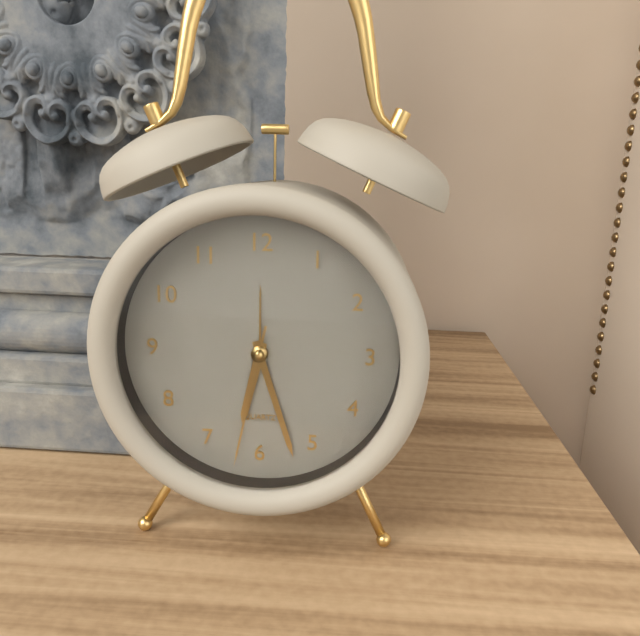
{"hour": 6, "minute": 27, "second": 32}
